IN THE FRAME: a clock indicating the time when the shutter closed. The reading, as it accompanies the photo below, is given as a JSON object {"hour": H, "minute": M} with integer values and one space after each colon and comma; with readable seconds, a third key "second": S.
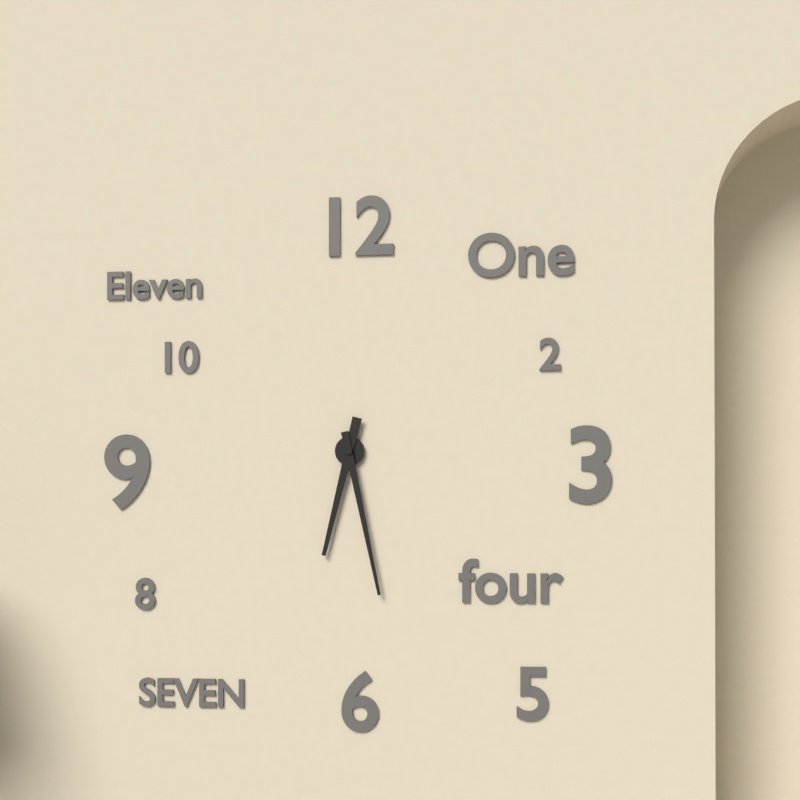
{"hour": 6, "minute": 28}
